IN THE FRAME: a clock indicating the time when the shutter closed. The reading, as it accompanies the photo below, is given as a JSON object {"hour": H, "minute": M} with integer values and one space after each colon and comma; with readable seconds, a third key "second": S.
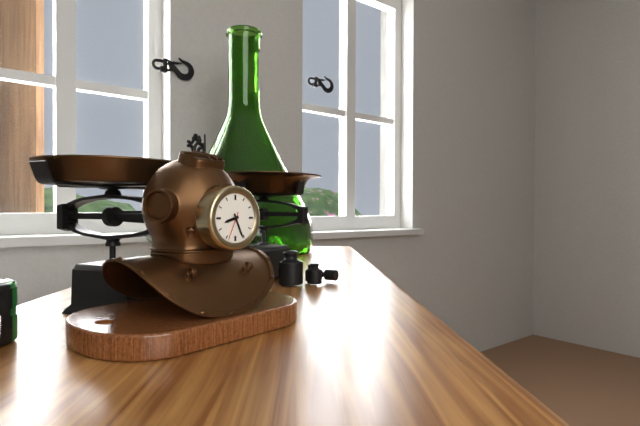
{"hour": 8, "minute": 26}
